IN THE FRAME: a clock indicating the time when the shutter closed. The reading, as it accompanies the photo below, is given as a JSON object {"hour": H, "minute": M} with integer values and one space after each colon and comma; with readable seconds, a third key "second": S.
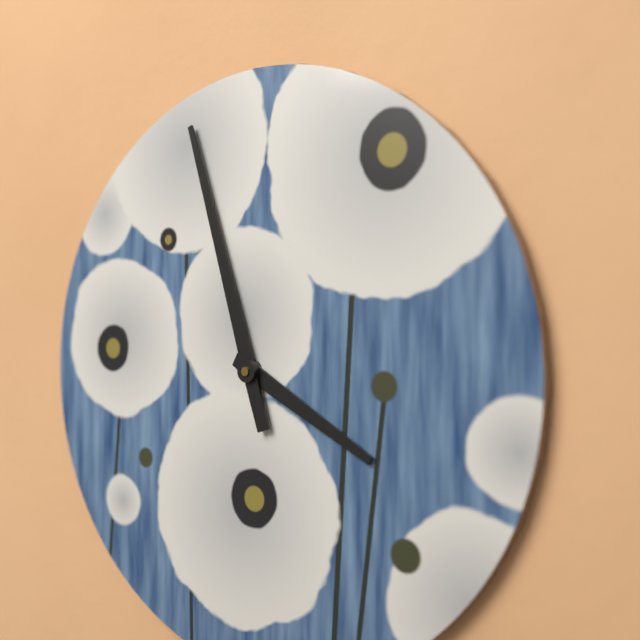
{"hour": 3, "minute": 57}
